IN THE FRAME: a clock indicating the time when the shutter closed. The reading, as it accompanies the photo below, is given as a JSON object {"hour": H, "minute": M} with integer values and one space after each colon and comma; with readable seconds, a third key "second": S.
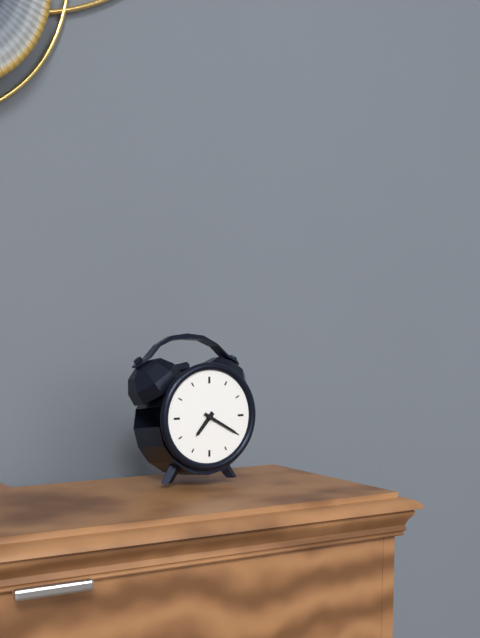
{"hour": 7, "minute": 20}
